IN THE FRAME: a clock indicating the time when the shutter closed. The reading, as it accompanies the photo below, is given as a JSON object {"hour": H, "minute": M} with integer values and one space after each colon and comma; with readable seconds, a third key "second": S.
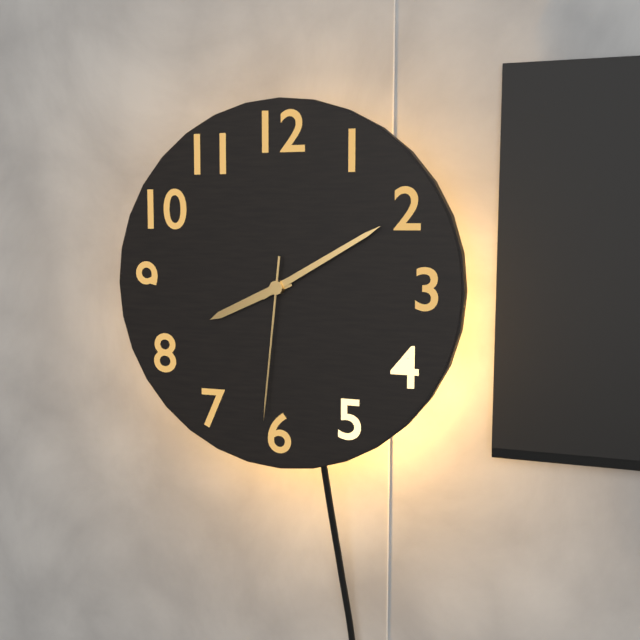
{"hour": 8, "minute": 10, "second": 31}
